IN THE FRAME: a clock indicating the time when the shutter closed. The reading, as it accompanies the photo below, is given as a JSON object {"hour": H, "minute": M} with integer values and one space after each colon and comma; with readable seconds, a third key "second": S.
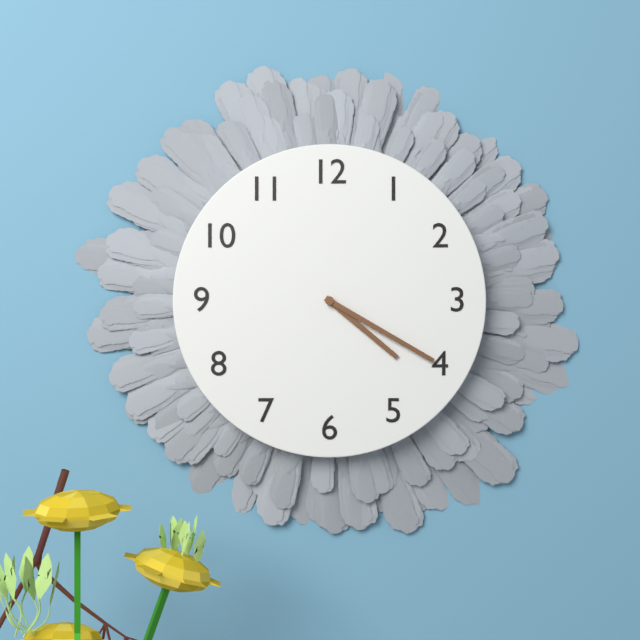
{"hour": 4, "minute": 20}
